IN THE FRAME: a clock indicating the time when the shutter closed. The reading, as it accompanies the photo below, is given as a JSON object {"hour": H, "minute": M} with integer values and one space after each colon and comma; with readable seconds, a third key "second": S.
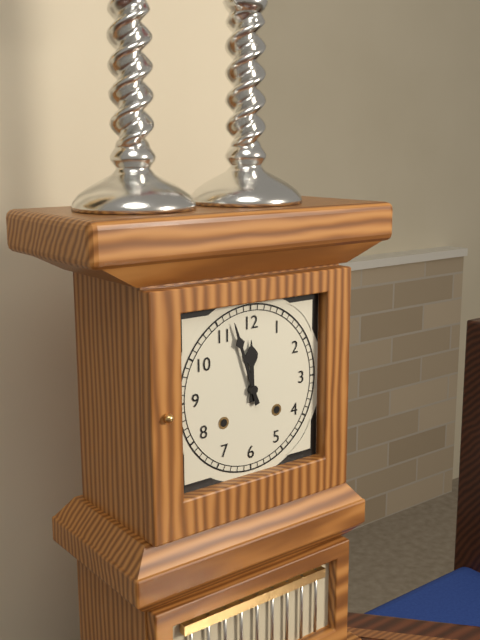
{"hour": 11, "minute": 57}
